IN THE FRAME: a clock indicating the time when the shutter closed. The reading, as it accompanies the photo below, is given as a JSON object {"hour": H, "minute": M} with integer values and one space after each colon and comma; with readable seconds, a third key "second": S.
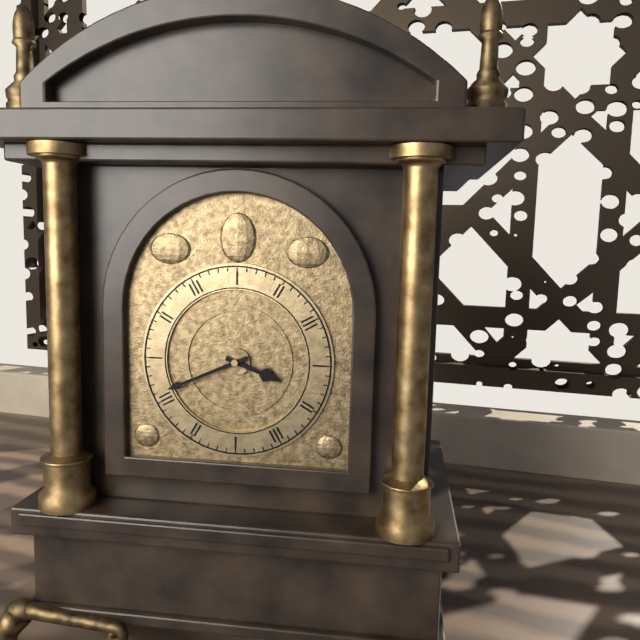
{"hour": 3, "minute": 41}
